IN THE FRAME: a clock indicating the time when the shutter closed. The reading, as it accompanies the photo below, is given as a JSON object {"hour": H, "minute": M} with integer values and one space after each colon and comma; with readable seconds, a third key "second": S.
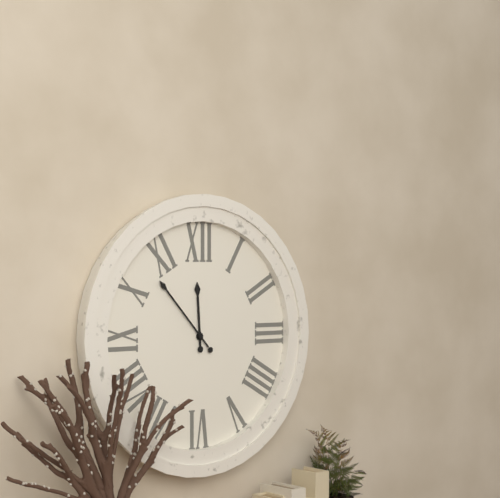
{"hour": 11, "minute": 53}
